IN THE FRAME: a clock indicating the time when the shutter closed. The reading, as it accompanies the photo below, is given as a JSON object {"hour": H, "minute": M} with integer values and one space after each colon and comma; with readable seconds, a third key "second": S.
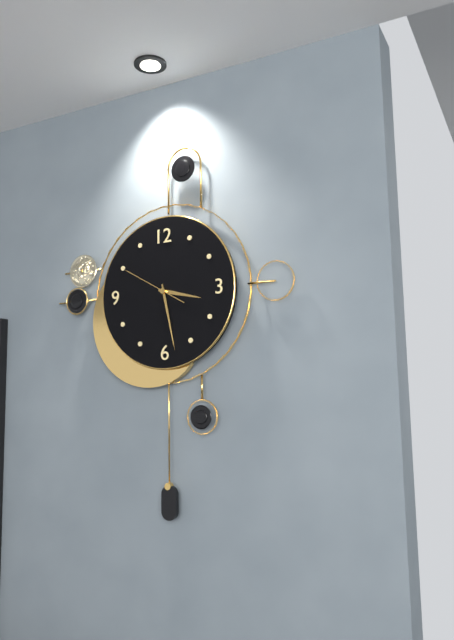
{"hour": 3, "minute": 28, "second": 50}
